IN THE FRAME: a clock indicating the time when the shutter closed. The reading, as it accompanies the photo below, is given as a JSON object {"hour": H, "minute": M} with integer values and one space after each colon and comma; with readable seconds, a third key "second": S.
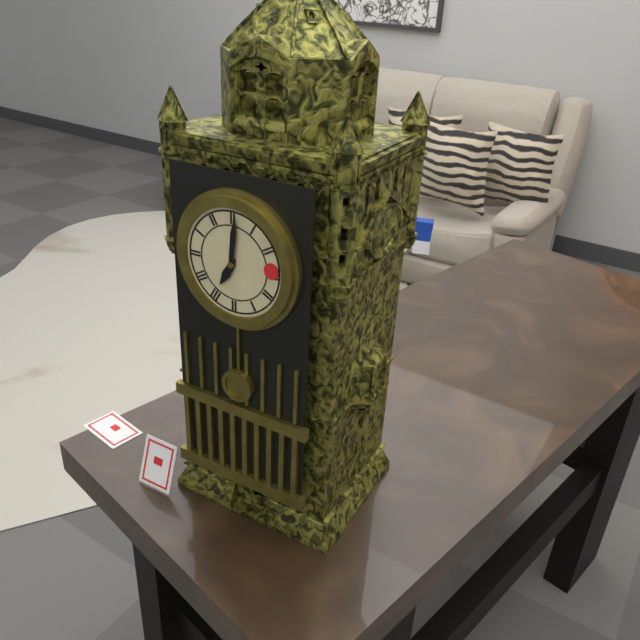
{"hour": 7, "minute": 1}
